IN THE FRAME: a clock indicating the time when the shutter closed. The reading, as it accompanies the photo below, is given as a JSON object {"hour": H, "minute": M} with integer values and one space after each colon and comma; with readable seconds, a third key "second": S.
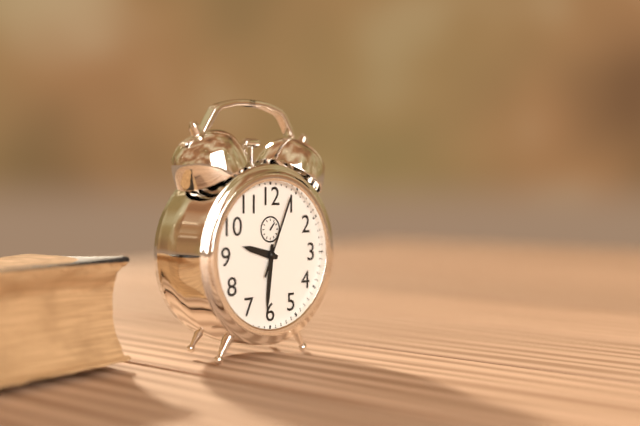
{"hour": 9, "minute": 31, "second": 4}
